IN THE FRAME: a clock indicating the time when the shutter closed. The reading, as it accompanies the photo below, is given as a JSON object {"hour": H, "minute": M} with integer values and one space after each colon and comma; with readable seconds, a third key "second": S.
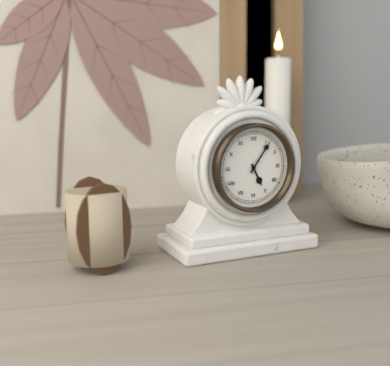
{"hour": 5, "minute": 6}
